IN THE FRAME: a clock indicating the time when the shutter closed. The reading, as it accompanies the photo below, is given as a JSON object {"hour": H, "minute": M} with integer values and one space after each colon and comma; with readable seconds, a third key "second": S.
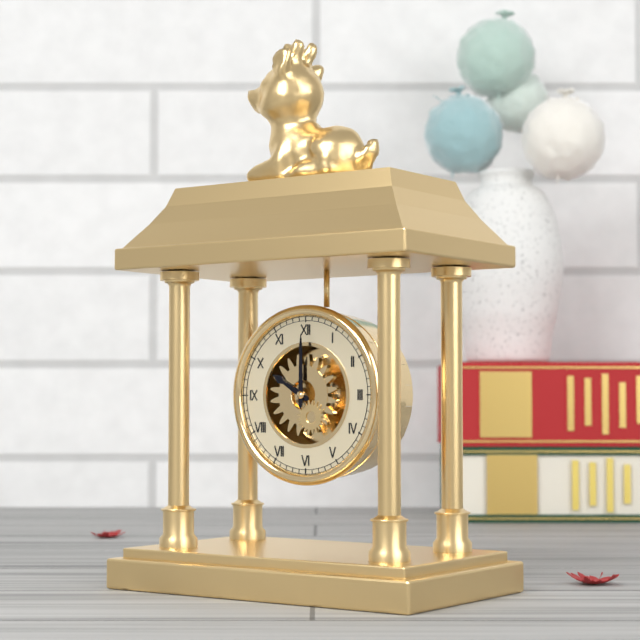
{"hour": 10, "minute": 0}
